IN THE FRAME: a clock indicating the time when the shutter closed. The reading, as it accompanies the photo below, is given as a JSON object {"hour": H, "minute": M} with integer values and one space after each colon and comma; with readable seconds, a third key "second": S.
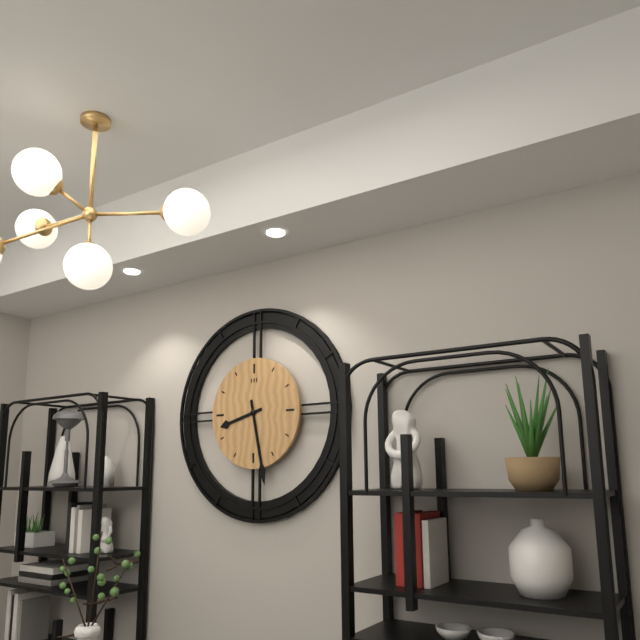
{"hour": 8, "minute": 28}
